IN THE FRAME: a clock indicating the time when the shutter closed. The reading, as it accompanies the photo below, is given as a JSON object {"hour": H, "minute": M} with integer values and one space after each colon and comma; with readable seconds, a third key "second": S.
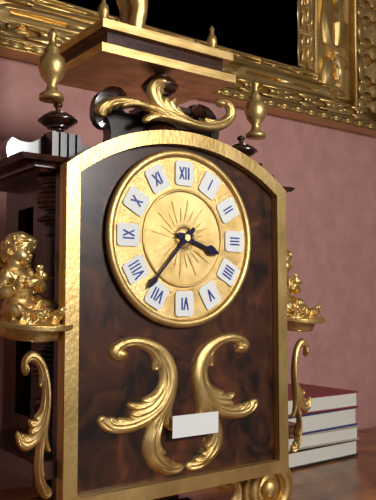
{"hour": 3, "minute": 37}
